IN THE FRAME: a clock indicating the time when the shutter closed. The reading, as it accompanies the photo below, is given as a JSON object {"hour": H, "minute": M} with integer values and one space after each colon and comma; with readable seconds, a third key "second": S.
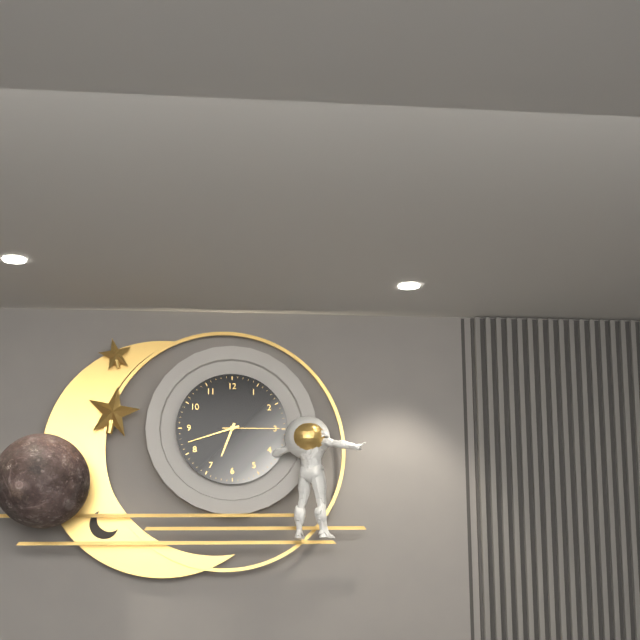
{"hour": 6, "minute": 42, "second": 15}
